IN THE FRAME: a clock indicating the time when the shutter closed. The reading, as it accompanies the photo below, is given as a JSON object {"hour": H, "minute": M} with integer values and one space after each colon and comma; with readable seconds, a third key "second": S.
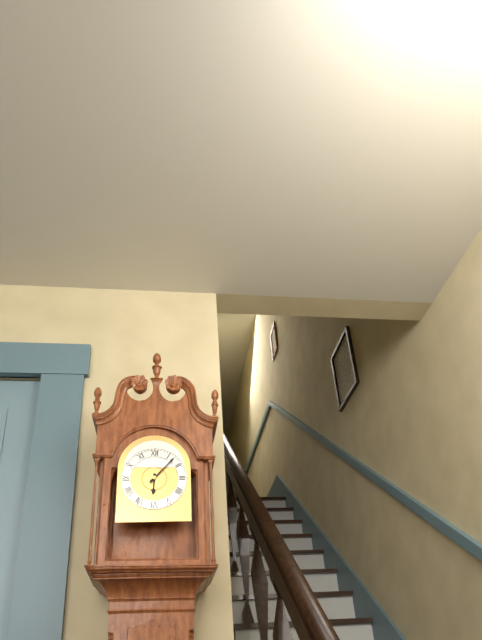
{"hour": 6, "minute": 7}
